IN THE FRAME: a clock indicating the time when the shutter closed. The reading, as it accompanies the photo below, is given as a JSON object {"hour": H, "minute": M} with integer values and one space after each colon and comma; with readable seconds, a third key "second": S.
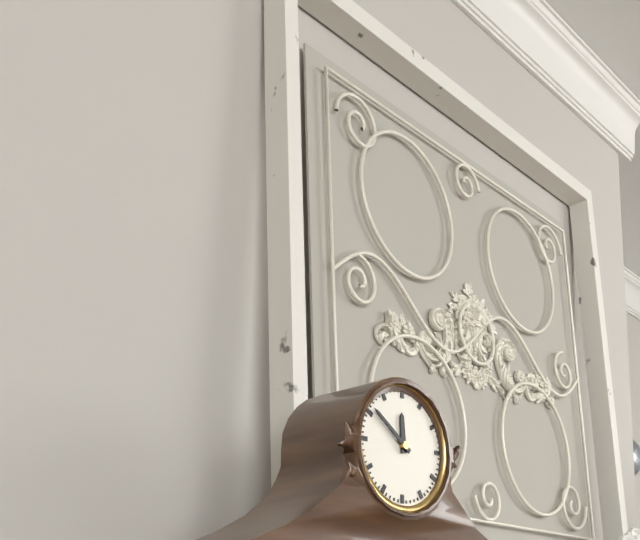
{"hour": 11, "minute": 51}
